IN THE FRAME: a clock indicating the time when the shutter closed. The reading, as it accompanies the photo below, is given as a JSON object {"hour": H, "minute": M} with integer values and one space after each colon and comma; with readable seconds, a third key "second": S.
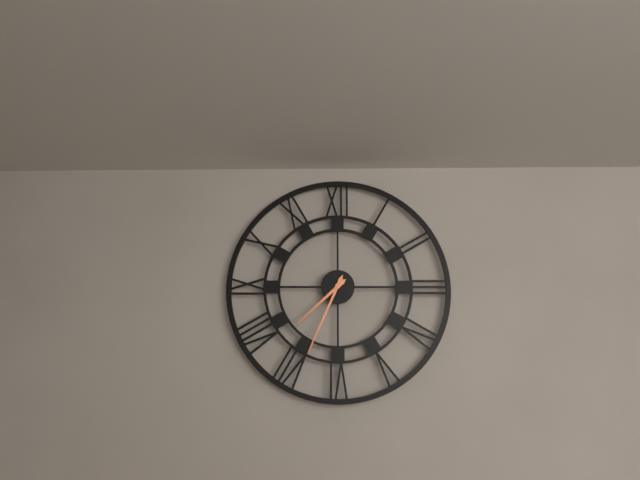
{"hour": 7, "minute": 34}
